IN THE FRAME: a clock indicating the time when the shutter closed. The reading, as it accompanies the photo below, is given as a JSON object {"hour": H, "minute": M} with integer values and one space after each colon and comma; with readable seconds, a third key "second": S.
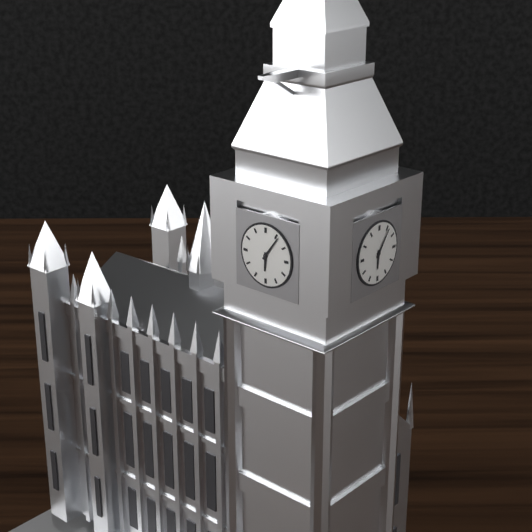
{"hour": 6, "minute": 6}
